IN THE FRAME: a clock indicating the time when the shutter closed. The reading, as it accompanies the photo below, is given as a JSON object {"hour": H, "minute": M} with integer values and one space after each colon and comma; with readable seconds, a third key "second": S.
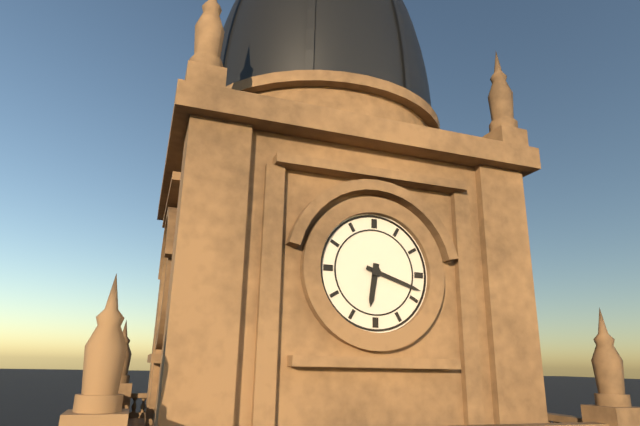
{"hour": 6, "minute": 18}
